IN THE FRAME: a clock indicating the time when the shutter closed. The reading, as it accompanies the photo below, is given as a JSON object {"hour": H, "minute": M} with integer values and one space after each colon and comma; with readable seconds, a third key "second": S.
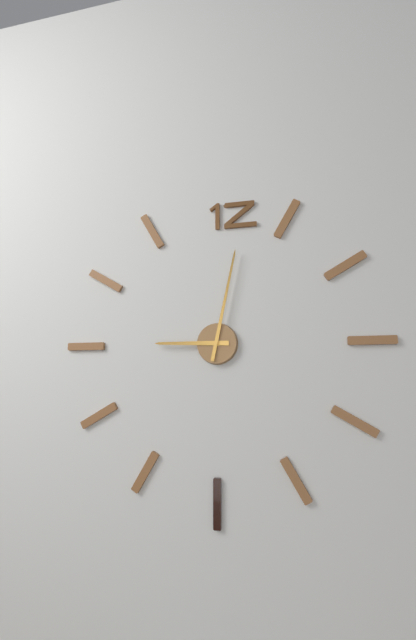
{"hour": 9, "minute": 2}
